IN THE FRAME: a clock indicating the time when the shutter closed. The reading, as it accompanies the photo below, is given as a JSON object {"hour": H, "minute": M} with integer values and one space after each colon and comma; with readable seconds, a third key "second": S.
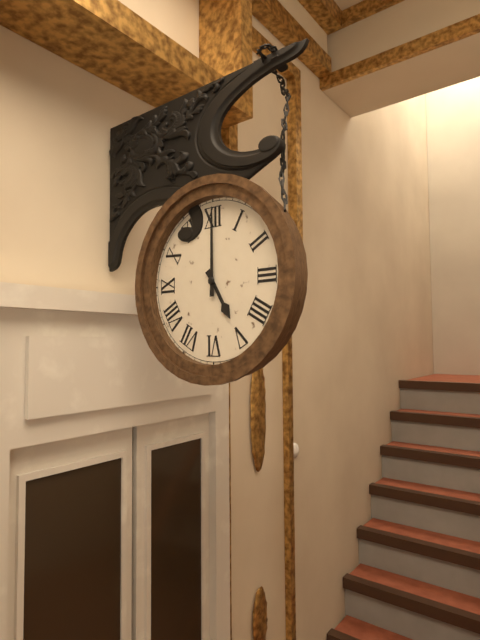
{"hour": 5, "minute": 0}
